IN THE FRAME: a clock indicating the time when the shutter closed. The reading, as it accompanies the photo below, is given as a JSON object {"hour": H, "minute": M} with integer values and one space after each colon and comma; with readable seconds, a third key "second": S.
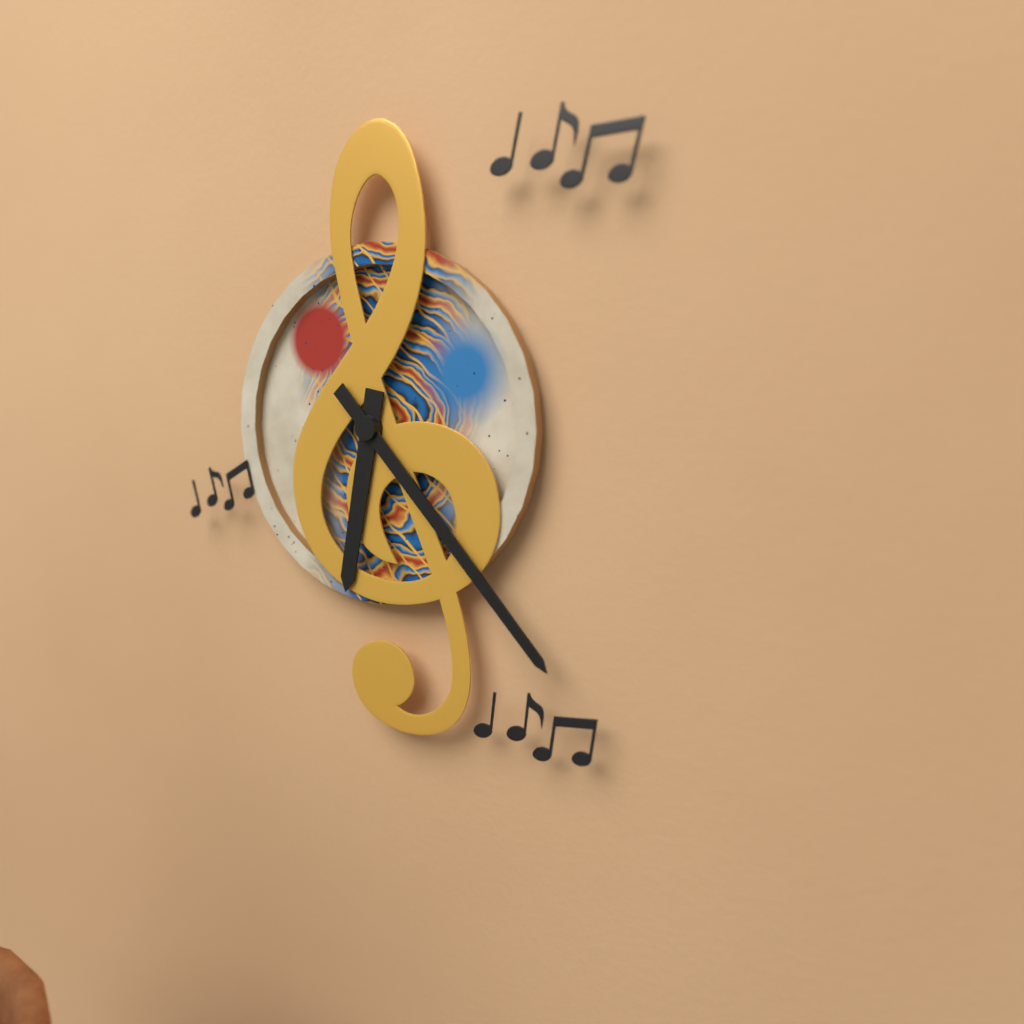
{"hour": 6, "minute": 23}
